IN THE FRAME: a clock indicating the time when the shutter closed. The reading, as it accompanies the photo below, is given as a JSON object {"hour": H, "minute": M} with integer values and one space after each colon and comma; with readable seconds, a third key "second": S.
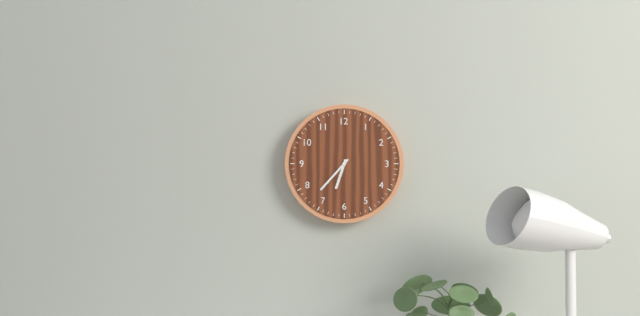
{"hour": 6, "minute": 37}
